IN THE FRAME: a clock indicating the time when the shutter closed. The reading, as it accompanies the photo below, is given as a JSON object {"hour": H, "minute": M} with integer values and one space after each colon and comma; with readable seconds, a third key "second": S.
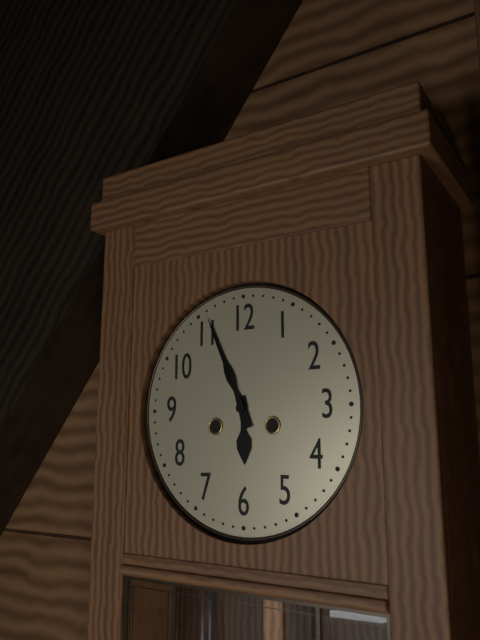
{"hour": 5, "minute": 56}
